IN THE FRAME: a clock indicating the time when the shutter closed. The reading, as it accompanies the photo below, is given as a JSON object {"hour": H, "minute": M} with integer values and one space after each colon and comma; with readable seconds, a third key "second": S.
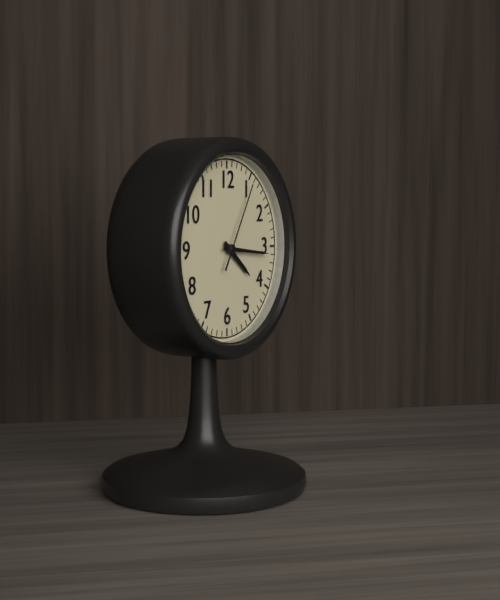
{"hour": 4, "minute": 16, "second": 5}
